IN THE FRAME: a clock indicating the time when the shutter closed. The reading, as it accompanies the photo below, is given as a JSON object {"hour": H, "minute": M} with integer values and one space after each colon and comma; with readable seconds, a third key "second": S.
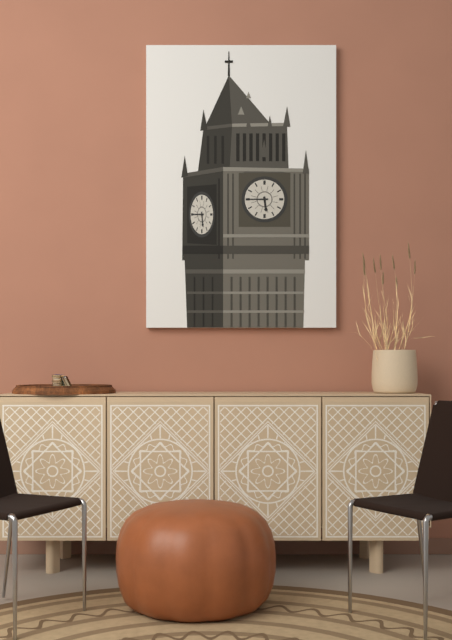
{"hour": 5, "minute": 45}
